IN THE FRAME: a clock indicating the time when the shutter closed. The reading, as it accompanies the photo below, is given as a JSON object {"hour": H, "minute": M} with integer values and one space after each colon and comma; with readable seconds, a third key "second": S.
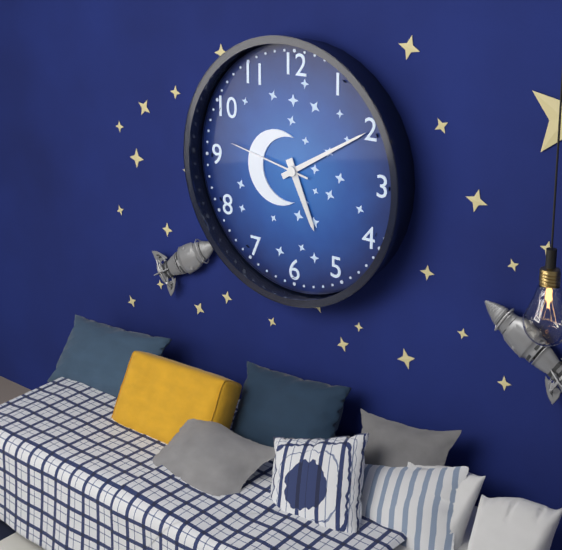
{"hour": 5, "minute": 10, "second": 47}
